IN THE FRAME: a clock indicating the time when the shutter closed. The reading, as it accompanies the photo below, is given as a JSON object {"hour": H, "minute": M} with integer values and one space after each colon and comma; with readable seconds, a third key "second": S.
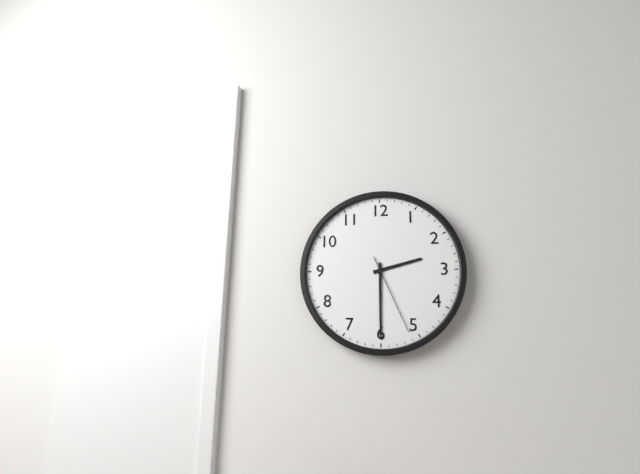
{"hour": 2, "minute": 30, "second": 26}
